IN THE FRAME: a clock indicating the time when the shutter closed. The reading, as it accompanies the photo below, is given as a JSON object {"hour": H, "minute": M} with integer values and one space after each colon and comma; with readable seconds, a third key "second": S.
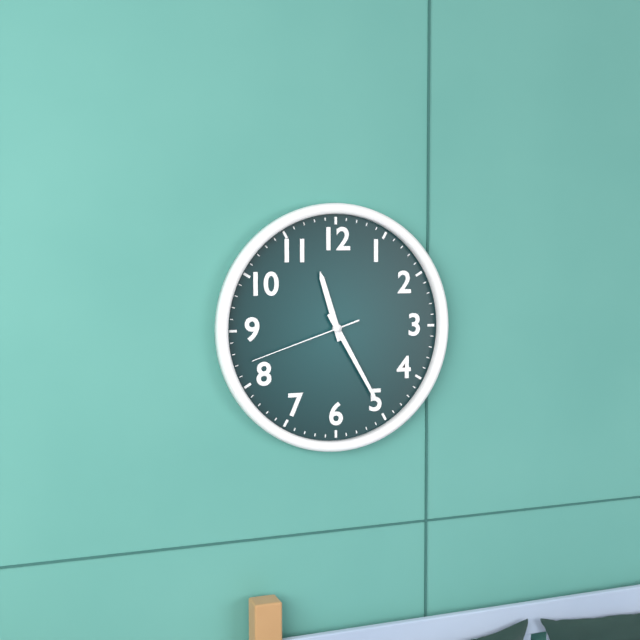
{"hour": 11, "minute": 25, "second": 42}
